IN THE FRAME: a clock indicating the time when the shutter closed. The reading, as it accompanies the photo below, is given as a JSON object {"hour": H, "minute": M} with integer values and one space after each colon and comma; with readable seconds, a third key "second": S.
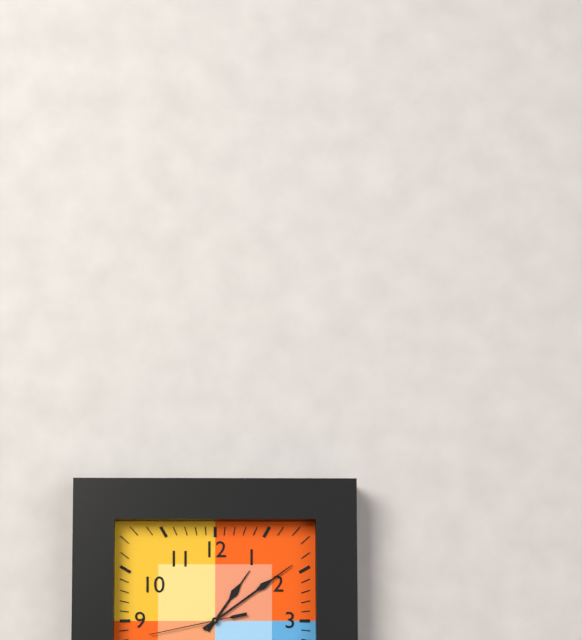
{"hour": 1, "minute": 9, "second": 43}
